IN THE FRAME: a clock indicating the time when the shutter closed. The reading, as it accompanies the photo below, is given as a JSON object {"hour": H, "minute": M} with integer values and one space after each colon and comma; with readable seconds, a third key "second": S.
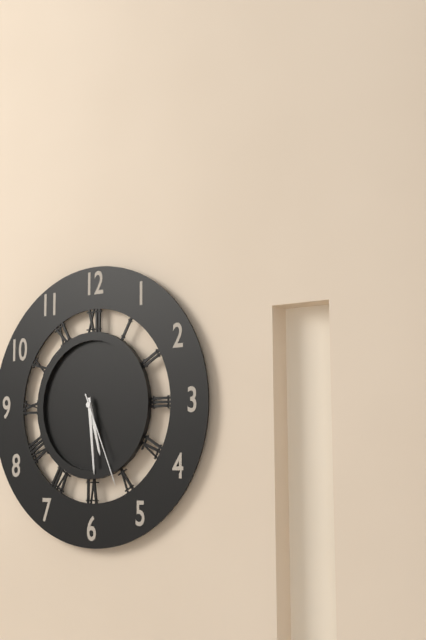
{"hour": 5, "minute": 29, "second": 26}
